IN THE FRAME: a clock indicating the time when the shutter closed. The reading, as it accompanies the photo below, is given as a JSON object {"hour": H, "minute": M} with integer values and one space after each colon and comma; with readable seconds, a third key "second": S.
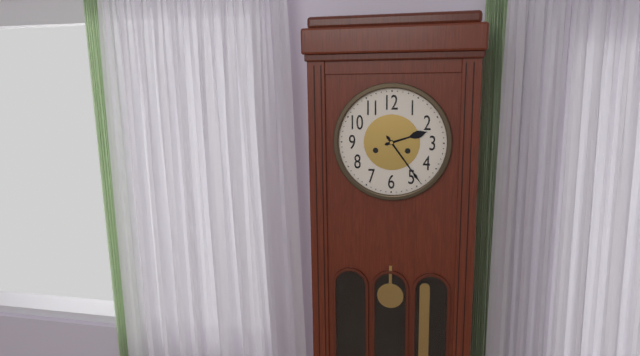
{"hour": 2, "minute": 24}
